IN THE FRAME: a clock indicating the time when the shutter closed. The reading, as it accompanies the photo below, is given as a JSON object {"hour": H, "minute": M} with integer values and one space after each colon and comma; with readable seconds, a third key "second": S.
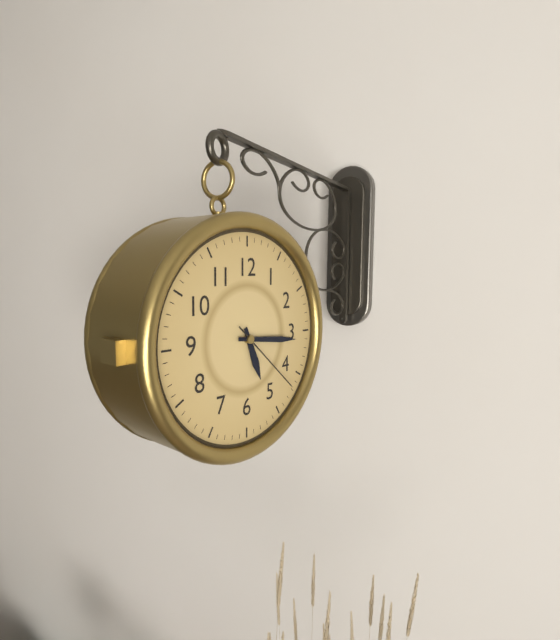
{"hour": 5, "minute": 16, "second": 22}
